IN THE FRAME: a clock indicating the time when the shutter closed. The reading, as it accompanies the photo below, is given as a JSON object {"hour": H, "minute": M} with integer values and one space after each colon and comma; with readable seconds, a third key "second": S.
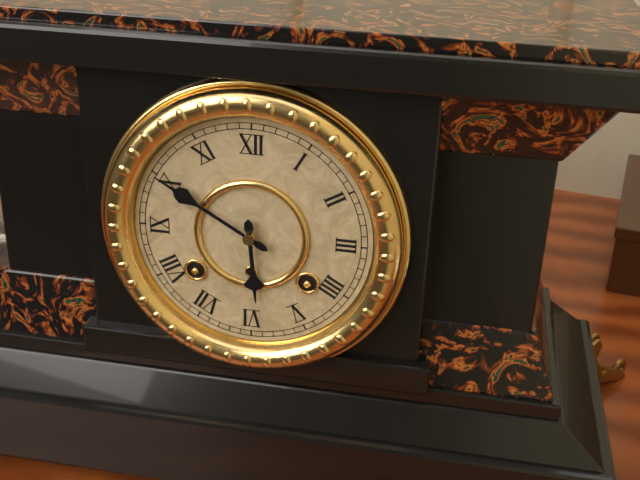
{"hour": 5, "minute": 50}
